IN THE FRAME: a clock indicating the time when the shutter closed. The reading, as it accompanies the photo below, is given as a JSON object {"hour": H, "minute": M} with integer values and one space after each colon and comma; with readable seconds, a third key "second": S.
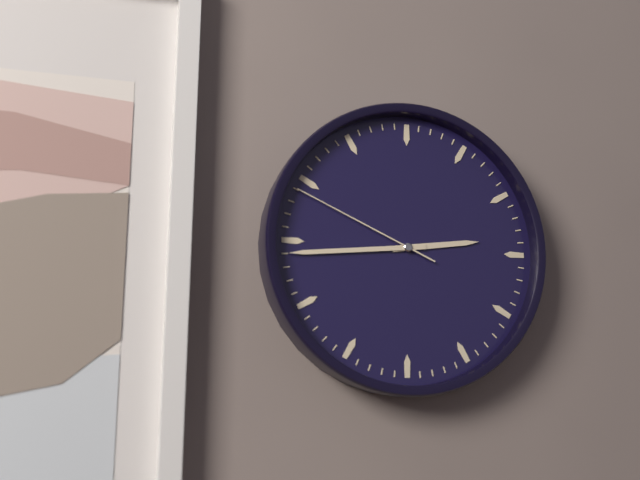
{"hour": 2, "minute": 44, "second": 49}
